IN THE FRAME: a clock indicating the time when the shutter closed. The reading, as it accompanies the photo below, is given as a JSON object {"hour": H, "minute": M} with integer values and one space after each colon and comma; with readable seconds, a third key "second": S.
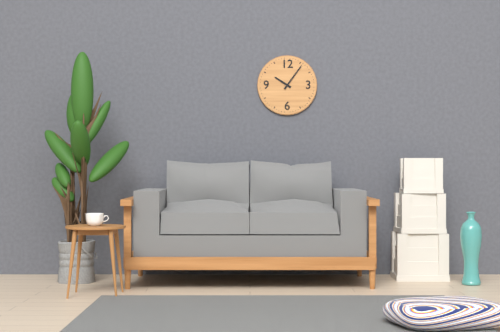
{"hour": 10, "minute": 6}
